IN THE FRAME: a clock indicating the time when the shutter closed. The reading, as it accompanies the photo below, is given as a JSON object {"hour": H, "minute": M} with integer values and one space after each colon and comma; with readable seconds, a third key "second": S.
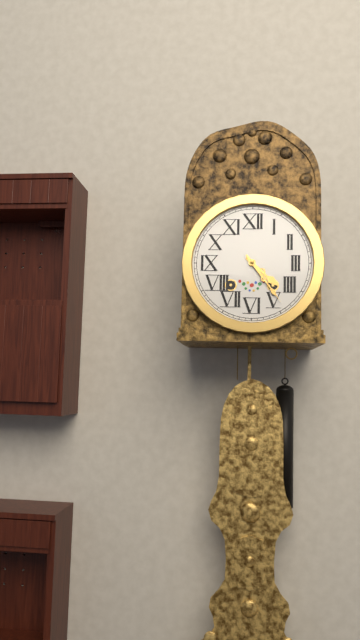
{"hour": 4, "minute": 24}
